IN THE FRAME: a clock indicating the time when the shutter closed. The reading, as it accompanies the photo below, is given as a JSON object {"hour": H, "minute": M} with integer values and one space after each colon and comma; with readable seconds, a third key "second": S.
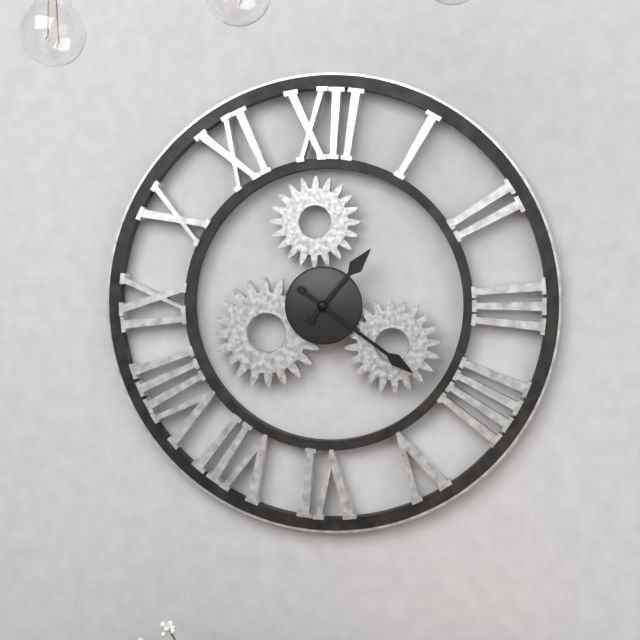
{"hour": 1, "minute": 21}
